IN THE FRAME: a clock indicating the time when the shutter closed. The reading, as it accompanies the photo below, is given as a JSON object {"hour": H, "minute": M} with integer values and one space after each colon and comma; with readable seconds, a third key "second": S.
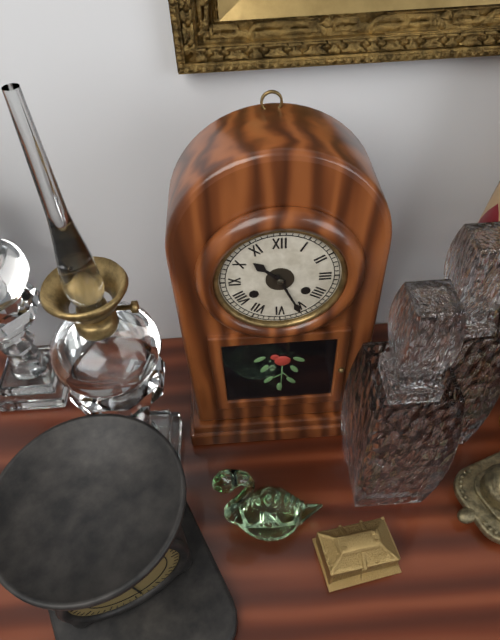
{"hour": 10, "minute": 26}
